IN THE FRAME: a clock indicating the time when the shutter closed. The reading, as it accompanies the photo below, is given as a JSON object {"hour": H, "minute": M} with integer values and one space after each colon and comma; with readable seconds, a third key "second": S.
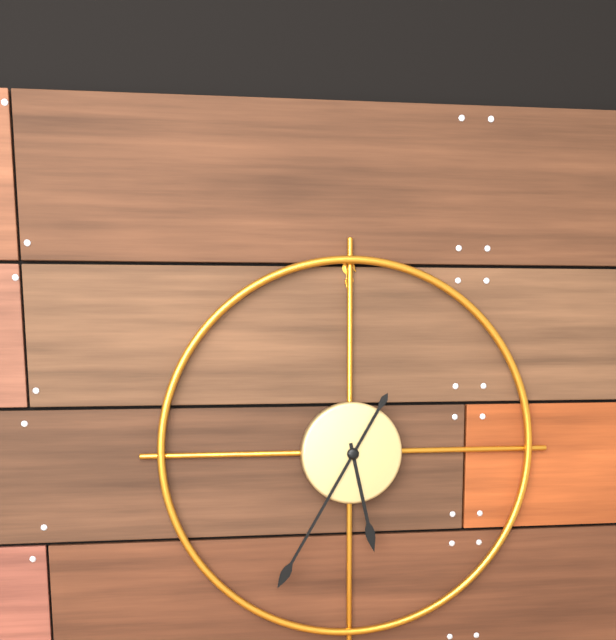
{"hour": 5, "minute": 35}
